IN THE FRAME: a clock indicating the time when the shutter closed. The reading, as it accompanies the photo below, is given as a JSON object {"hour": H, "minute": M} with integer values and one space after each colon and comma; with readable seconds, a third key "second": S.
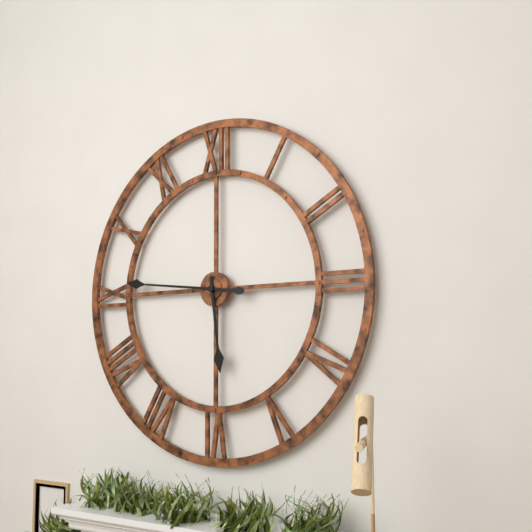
{"hour": 5, "minute": 46}
